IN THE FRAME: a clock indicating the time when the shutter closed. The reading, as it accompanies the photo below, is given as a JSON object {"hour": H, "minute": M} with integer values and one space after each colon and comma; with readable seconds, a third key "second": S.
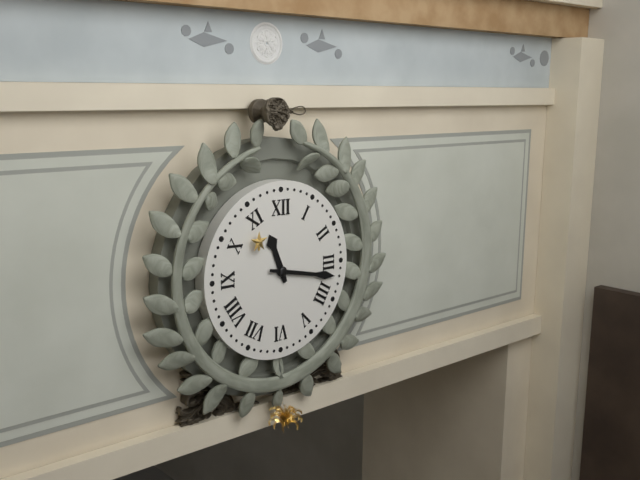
{"hour": 11, "minute": 17}
